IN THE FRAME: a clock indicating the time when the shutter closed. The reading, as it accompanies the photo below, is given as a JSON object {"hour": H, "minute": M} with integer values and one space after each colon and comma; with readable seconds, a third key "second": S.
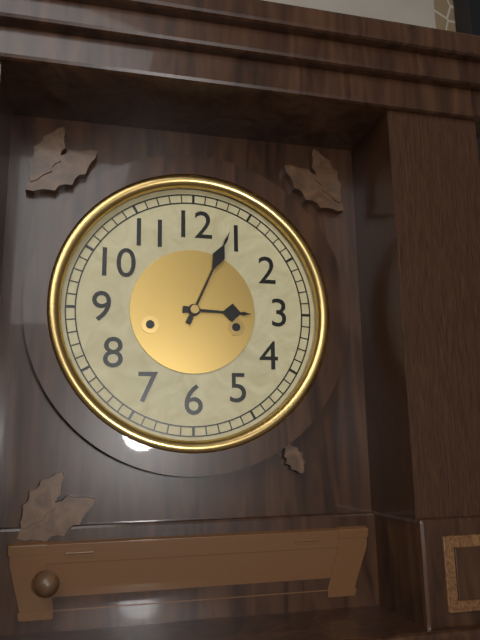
{"hour": 3, "minute": 4}
